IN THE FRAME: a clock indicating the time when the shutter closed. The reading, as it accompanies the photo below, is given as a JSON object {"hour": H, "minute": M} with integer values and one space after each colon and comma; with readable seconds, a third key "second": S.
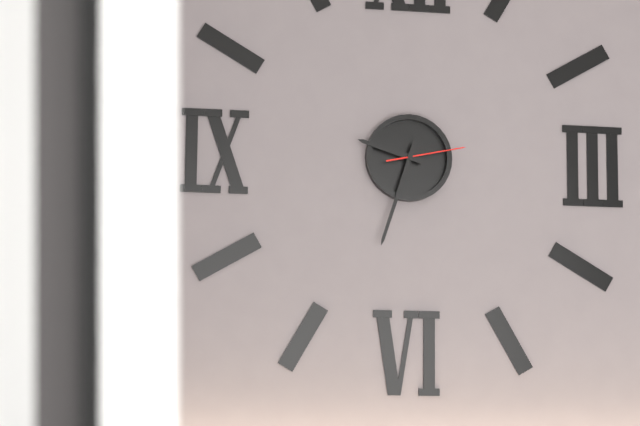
{"hour": 9, "minute": 33, "second": 13}
